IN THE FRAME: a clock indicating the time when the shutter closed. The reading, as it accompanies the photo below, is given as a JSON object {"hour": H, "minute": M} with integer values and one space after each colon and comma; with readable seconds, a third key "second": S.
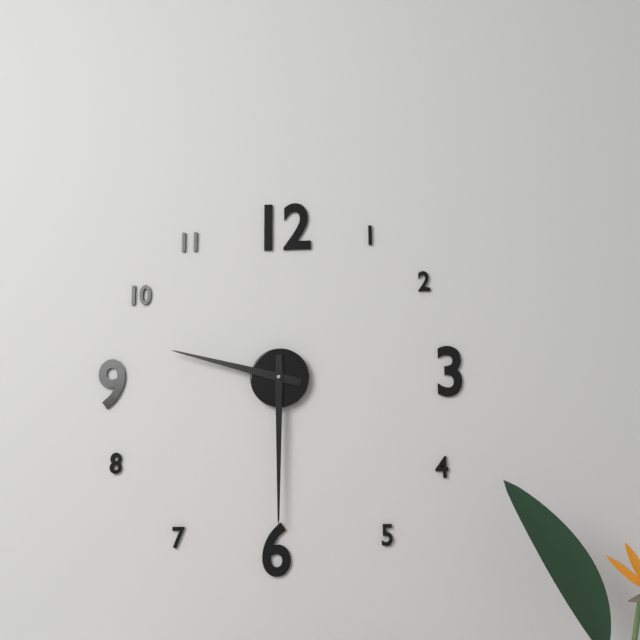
{"hour": 9, "minute": 30}
